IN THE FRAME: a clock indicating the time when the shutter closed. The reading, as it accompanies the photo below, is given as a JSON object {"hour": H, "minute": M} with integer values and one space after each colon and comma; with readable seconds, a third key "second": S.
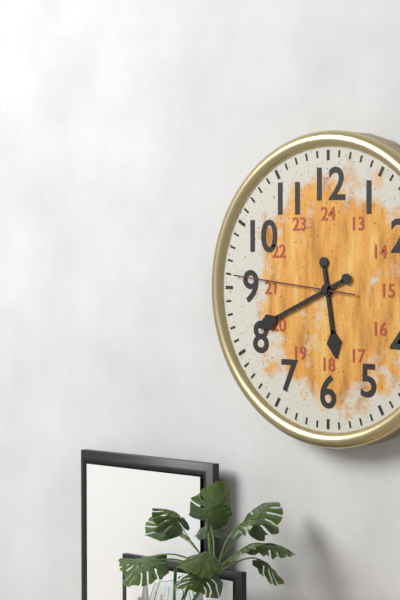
{"hour": 5, "minute": 41, "second": 46}
